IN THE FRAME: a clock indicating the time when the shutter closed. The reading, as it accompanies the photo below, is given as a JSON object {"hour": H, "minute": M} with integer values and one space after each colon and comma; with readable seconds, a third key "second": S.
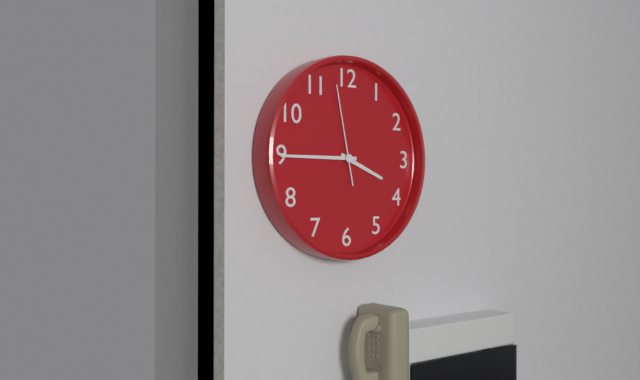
{"hour": 3, "minute": 45, "second": 58}
